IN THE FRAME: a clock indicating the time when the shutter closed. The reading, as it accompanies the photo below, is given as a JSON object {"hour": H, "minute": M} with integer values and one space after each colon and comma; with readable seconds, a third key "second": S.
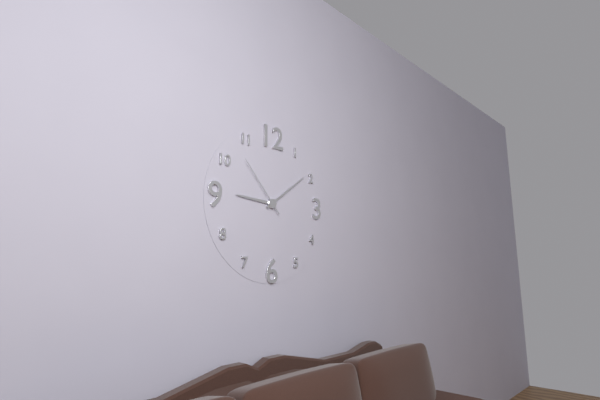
{"hour": 9, "minute": 9, "second": 53}
